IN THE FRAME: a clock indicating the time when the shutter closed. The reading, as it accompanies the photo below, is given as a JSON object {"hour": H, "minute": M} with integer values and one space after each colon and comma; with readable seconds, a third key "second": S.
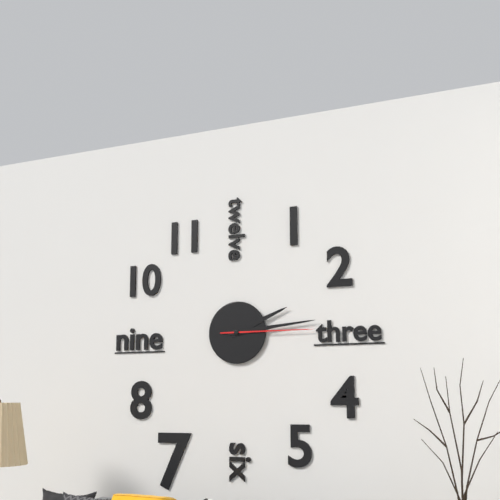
{"hour": 2, "minute": 14, "second": 15}
